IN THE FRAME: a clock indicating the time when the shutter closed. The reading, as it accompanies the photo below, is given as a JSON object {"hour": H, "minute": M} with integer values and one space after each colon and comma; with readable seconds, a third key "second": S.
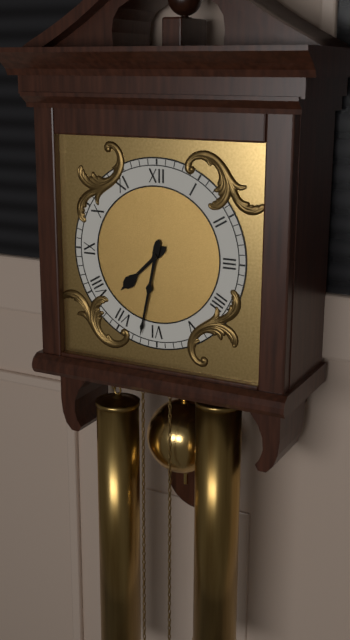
{"hour": 7, "minute": 32}
